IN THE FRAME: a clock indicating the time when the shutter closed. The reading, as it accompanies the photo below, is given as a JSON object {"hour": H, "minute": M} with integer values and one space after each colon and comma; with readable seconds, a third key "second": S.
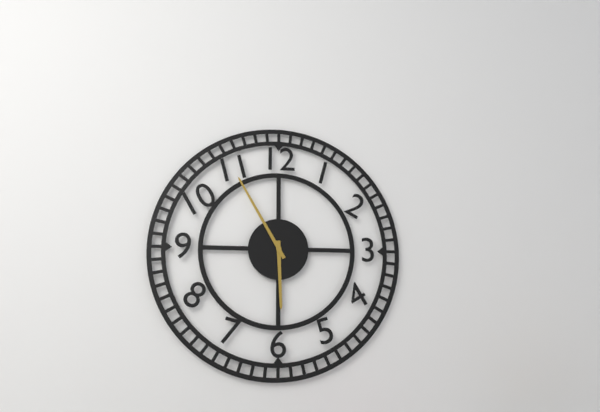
{"hour": 5, "minute": 55}
